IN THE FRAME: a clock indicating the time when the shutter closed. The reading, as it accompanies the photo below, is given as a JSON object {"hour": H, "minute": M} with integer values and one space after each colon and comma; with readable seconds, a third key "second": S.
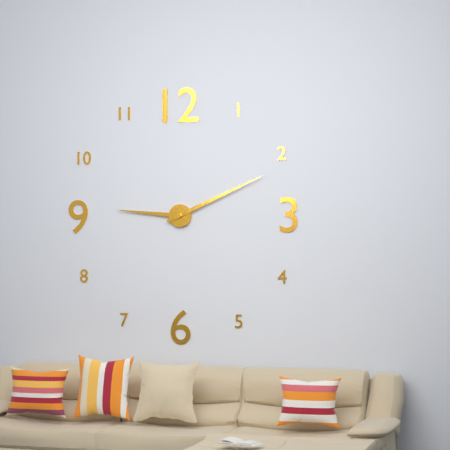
{"hour": 9, "minute": 11}
